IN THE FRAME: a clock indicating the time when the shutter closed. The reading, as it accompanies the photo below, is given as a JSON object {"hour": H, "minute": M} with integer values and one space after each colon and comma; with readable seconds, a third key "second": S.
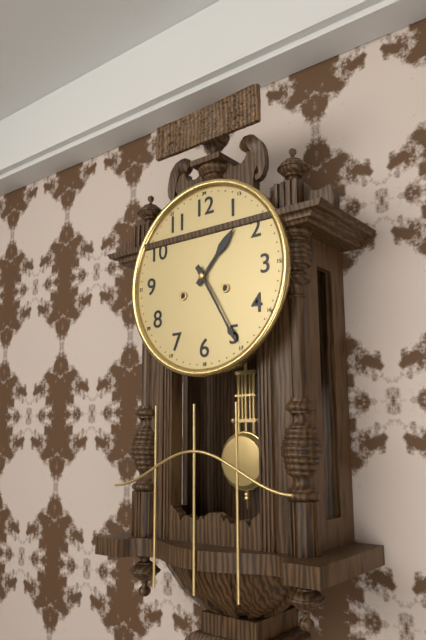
{"hour": 1, "minute": 25}
